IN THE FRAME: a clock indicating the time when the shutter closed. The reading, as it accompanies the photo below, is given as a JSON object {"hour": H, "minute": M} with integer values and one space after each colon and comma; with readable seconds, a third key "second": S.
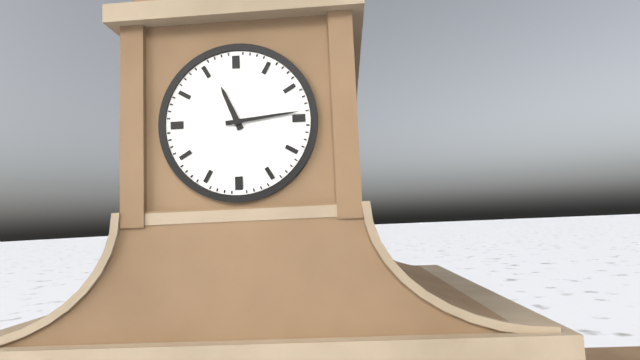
{"hour": 11, "minute": 14}
